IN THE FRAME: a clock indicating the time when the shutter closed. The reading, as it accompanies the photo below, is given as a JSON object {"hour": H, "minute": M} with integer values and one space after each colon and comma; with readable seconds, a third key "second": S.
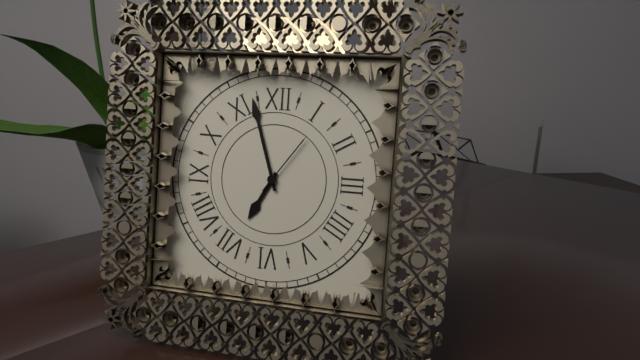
{"hour": 6, "minute": 57, "second": 6}
